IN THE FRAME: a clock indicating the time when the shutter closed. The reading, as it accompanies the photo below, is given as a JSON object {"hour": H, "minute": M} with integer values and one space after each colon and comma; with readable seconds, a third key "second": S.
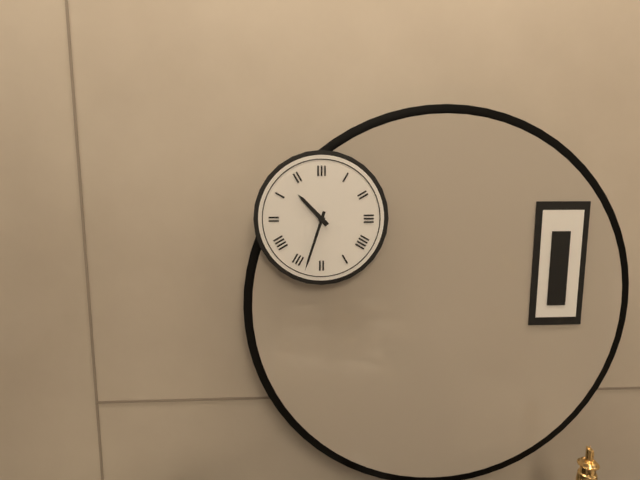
{"hour": 10, "minute": 33}
